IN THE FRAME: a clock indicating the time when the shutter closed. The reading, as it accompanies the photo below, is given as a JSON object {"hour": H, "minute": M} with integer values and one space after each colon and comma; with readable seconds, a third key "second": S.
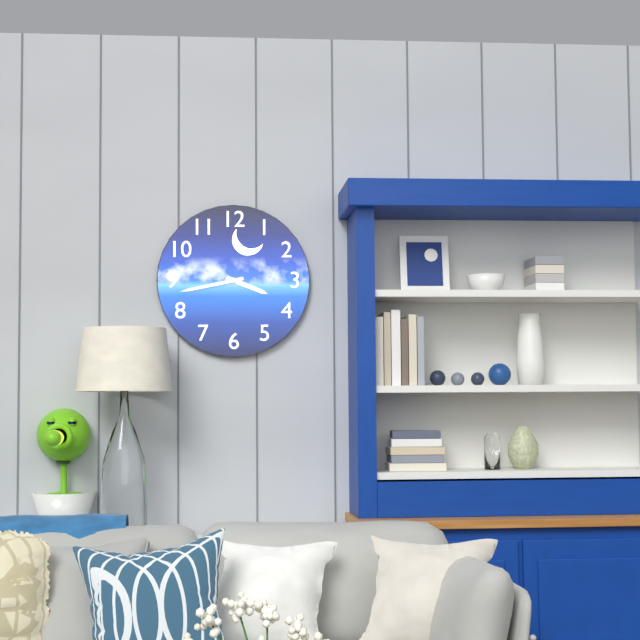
{"hour": 3, "minute": 43}
